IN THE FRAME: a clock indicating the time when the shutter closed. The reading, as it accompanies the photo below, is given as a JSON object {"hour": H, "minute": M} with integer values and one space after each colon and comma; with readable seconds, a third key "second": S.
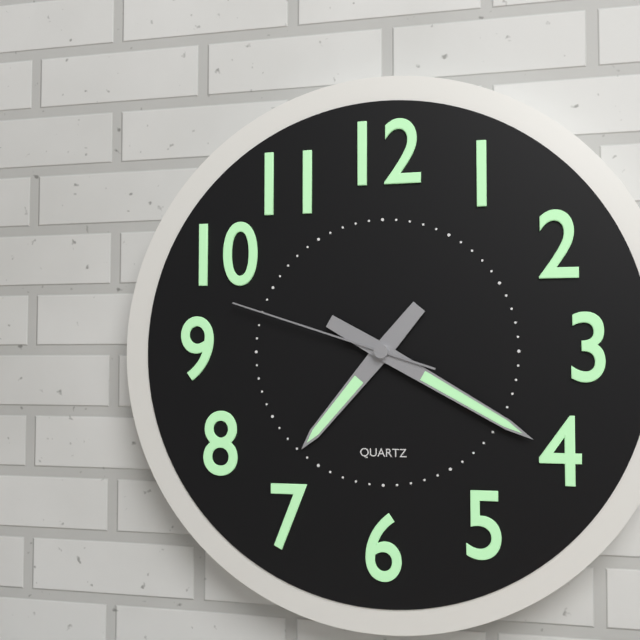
{"hour": 7, "minute": 20, "second": 48}
